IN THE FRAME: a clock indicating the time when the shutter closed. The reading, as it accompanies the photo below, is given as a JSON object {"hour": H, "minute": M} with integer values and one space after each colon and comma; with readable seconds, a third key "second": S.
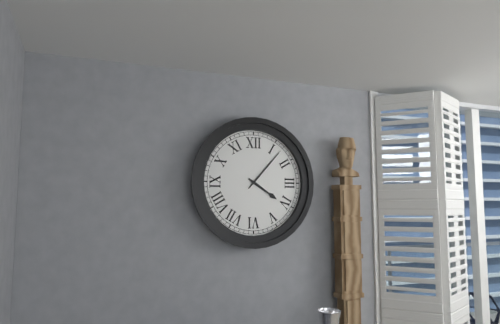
{"hour": 4, "minute": 7}
